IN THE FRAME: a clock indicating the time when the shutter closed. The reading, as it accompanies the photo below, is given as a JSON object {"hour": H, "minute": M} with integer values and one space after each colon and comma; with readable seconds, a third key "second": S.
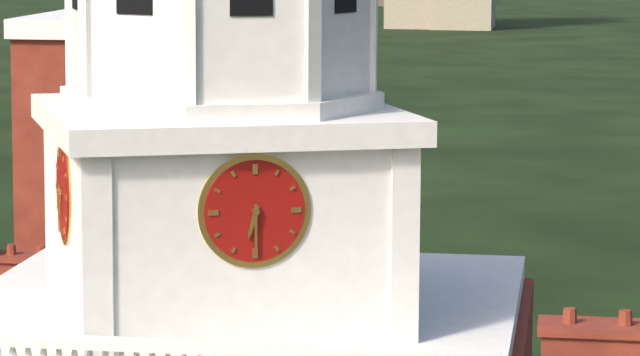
{"hour": 6, "minute": 30}
